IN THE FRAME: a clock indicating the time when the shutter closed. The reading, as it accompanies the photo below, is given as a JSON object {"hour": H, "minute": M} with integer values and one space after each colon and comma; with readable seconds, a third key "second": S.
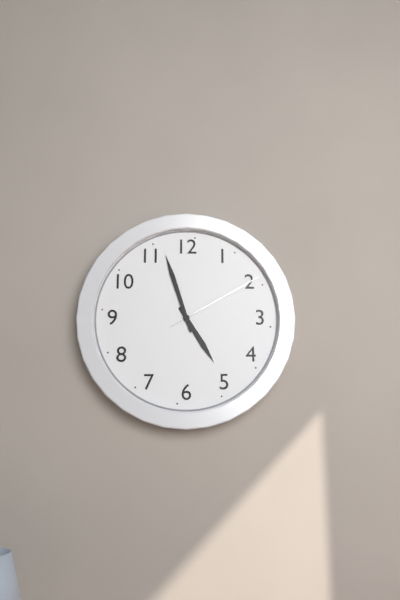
{"hour": 4, "minute": 57, "second": 10}
